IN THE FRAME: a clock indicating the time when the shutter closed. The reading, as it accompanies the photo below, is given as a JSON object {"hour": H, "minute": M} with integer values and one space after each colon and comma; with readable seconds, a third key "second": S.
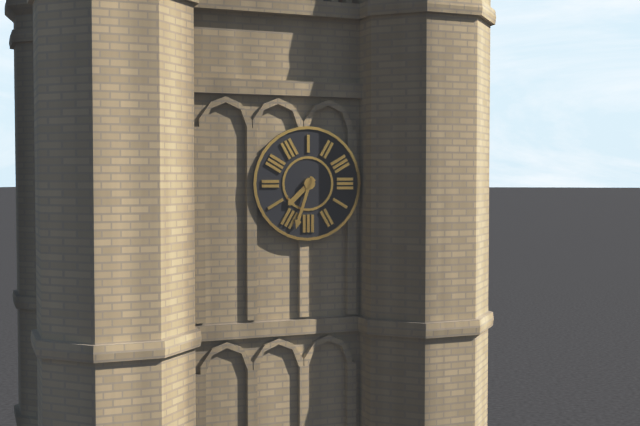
{"hour": 7, "minute": 33}
